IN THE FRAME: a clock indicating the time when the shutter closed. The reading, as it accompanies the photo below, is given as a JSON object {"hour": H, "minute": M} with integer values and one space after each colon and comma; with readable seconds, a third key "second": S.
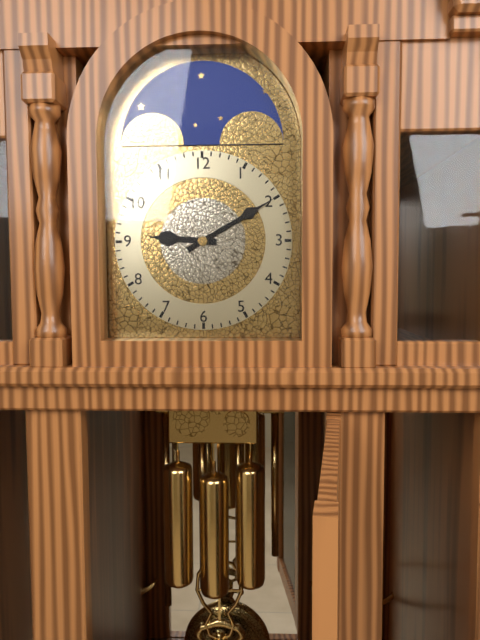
{"hour": 9, "minute": 10}
